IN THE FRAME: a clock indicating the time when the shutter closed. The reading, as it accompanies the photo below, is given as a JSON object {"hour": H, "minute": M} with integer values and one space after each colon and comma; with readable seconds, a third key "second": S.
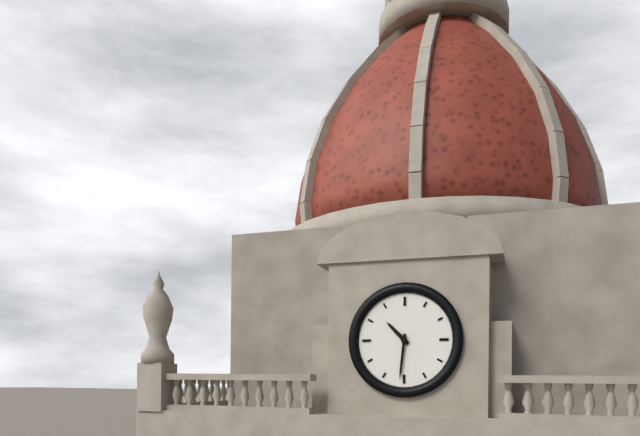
{"hour": 10, "minute": 31}
